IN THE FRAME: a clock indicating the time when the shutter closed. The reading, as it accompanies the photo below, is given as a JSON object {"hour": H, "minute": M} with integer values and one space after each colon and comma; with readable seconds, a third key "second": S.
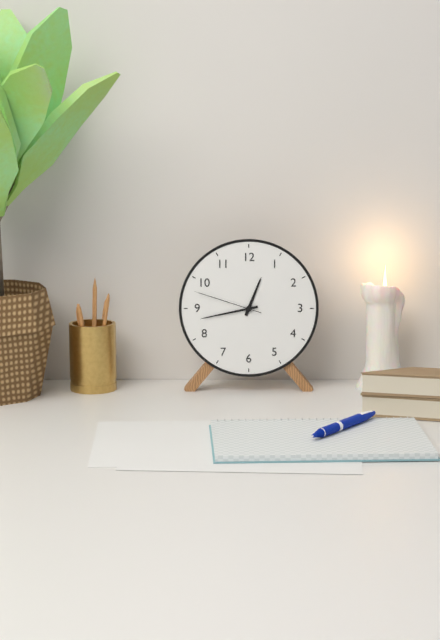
{"hour": 12, "minute": 43, "second": 48}
